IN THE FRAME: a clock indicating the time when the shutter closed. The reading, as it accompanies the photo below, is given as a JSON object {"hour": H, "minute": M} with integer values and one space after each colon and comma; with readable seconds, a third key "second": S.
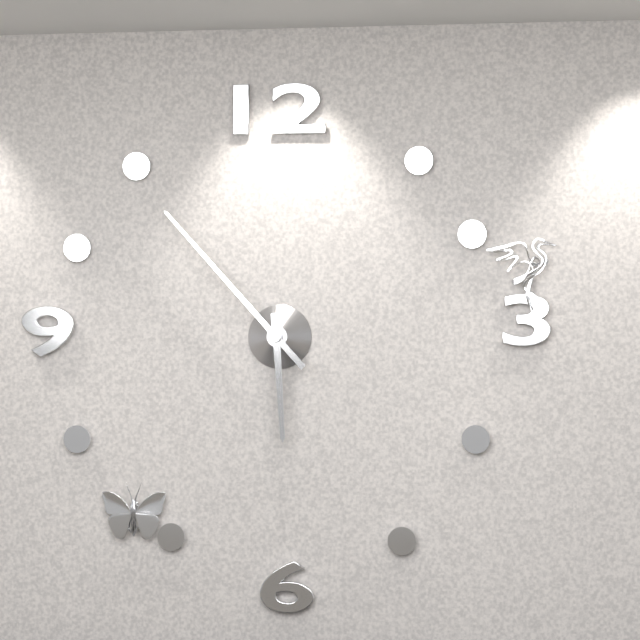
{"hour": 5, "minute": 53}
